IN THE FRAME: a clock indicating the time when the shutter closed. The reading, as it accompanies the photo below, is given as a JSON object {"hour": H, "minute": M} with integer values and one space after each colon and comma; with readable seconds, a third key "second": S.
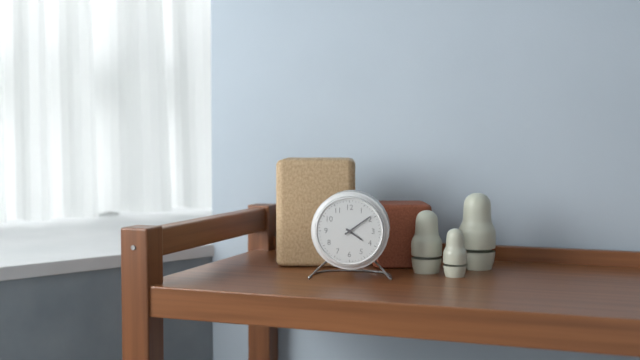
{"hour": 4, "minute": 9}
